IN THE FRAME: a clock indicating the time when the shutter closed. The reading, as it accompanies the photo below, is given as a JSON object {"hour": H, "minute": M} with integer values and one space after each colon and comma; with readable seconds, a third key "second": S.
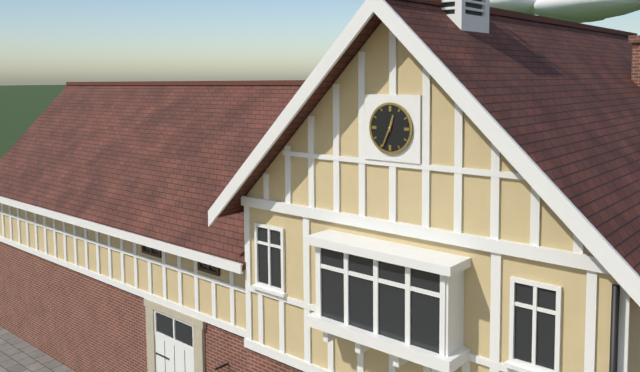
{"hour": 12, "minute": 34}
